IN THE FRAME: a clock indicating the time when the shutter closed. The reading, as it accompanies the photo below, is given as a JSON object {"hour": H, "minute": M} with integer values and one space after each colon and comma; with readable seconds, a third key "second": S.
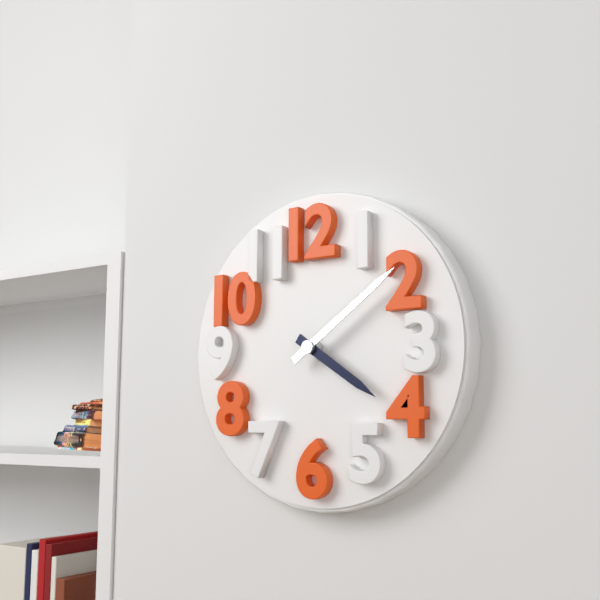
{"hour": 4, "minute": 9}
